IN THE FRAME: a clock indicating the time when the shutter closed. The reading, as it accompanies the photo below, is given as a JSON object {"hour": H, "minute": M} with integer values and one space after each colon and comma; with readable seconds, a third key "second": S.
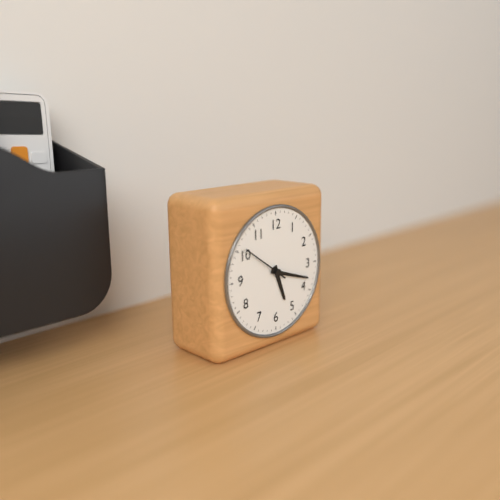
{"hour": 5, "minute": 18}
